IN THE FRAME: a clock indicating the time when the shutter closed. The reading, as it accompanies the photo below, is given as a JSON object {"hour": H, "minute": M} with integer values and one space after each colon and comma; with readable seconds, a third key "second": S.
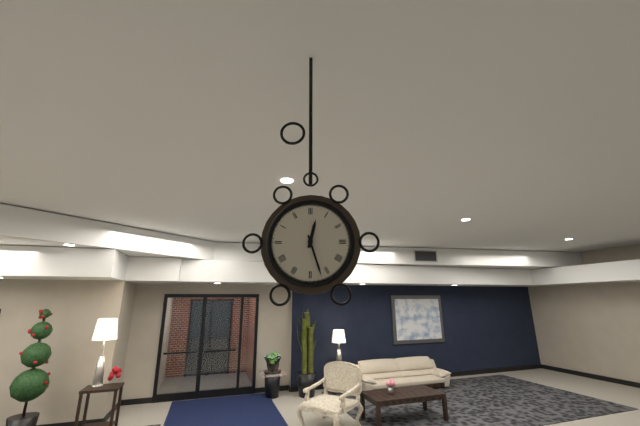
{"hour": 12, "minute": 27}
